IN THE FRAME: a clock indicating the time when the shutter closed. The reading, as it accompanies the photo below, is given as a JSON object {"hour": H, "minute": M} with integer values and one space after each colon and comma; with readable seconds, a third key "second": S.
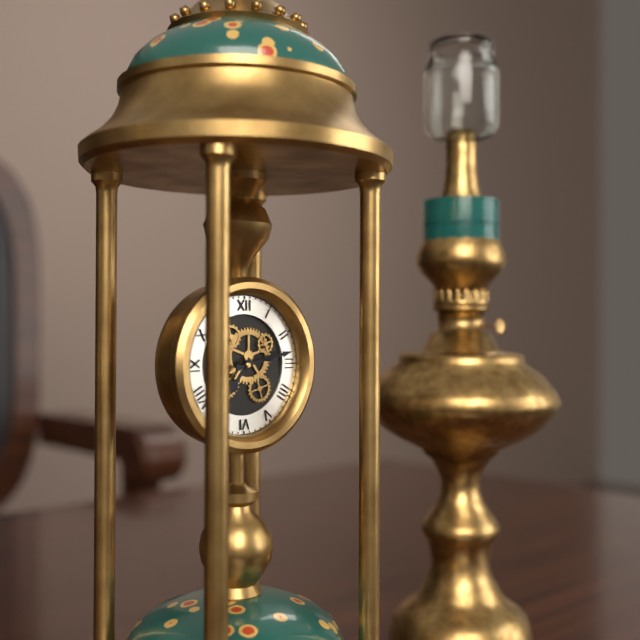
{"hour": 7, "minute": 13}
